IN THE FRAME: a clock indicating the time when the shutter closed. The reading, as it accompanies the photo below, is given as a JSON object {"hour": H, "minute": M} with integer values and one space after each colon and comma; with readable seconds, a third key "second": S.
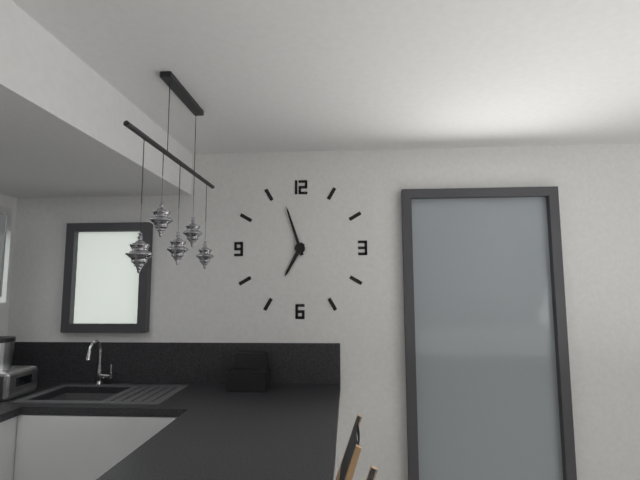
{"hour": 6, "minute": 57}
